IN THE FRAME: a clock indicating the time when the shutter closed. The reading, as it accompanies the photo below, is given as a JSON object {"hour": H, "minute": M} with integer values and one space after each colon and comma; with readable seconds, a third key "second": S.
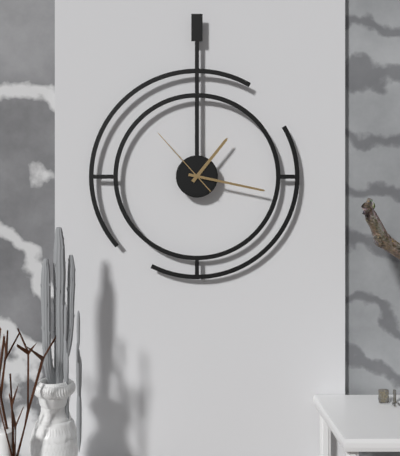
{"hour": 1, "minute": 17, "second": 53}
